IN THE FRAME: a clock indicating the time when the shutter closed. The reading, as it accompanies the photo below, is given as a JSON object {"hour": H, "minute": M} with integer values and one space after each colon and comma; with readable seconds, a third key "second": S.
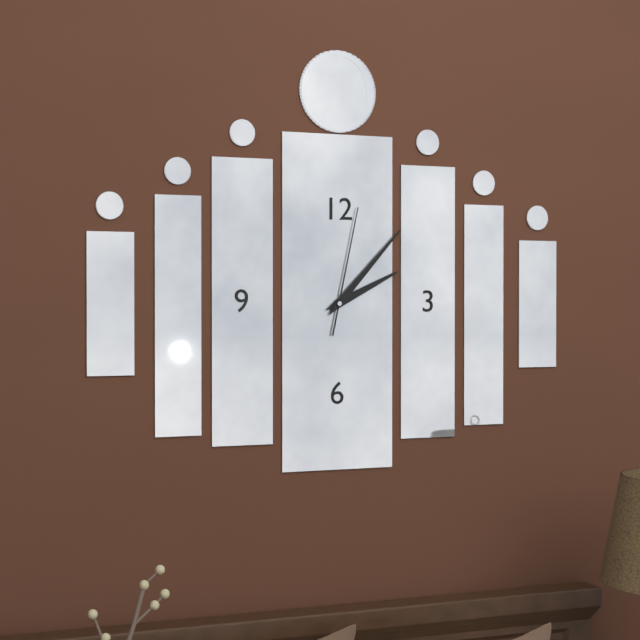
{"hour": 2, "minute": 7, "second": 2}
